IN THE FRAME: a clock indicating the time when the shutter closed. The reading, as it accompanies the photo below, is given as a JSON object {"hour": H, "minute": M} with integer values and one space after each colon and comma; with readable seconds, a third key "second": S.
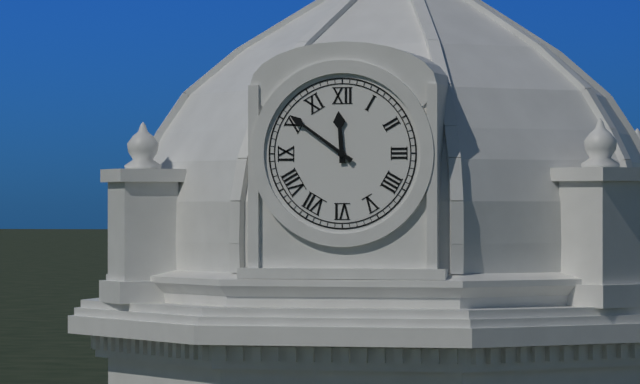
{"hour": 11, "minute": 51}
